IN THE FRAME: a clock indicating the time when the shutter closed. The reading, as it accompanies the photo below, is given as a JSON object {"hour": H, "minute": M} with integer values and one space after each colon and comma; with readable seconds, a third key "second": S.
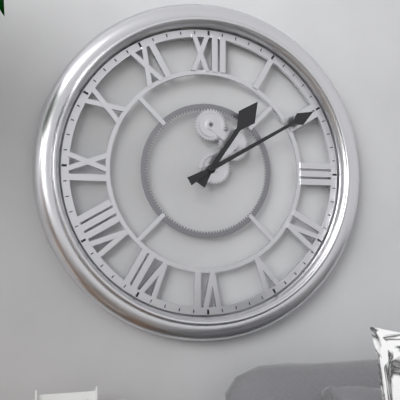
{"hour": 1, "minute": 10}
